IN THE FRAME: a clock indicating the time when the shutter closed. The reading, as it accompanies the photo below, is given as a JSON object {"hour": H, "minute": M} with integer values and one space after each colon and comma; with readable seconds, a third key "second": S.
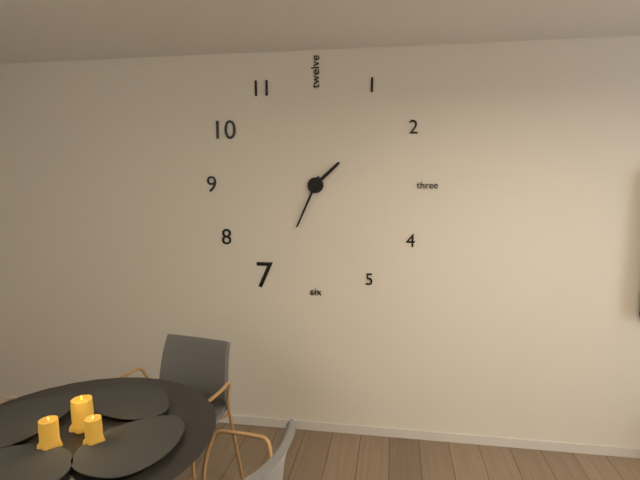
{"hour": 1, "minute": 34}
